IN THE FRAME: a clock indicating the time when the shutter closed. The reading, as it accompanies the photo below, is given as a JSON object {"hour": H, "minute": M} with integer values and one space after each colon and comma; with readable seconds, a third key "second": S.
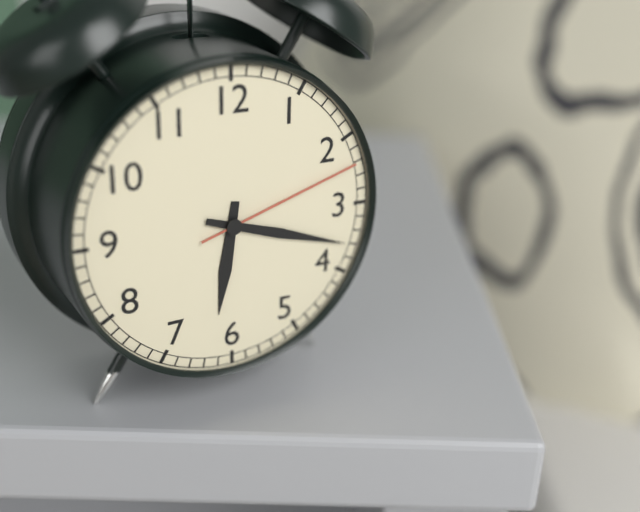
{"hour": 6, "minute": 18, "second": 12}
